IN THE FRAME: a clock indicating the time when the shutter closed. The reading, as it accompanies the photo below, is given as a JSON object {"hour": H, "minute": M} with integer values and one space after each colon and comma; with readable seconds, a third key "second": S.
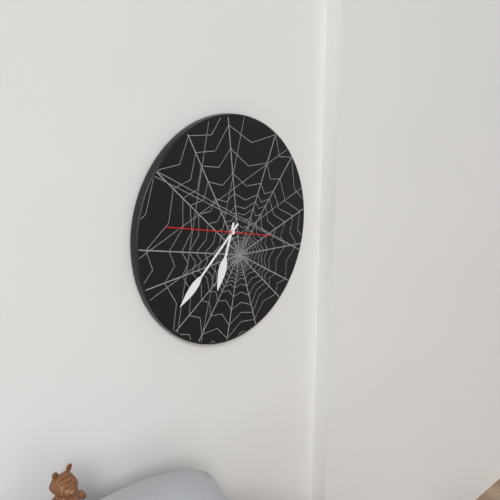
{"hour": 6, "minute": 38, "second": 47}
